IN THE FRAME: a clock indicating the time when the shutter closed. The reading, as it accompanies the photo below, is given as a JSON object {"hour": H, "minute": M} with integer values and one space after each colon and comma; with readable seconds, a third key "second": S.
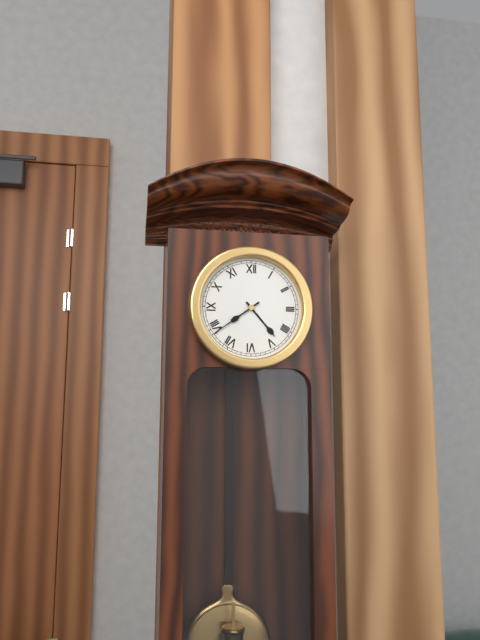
{"hour": 4, "minute": 39}
